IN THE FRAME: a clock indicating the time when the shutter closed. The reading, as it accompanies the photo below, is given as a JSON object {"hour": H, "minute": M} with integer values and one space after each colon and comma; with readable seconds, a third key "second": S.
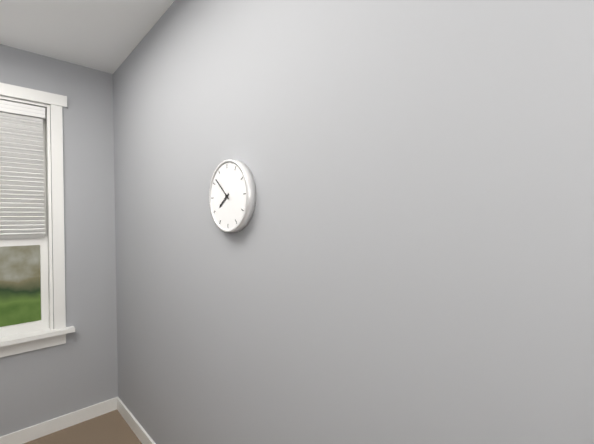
{"hour": 7, "minute": 52}
